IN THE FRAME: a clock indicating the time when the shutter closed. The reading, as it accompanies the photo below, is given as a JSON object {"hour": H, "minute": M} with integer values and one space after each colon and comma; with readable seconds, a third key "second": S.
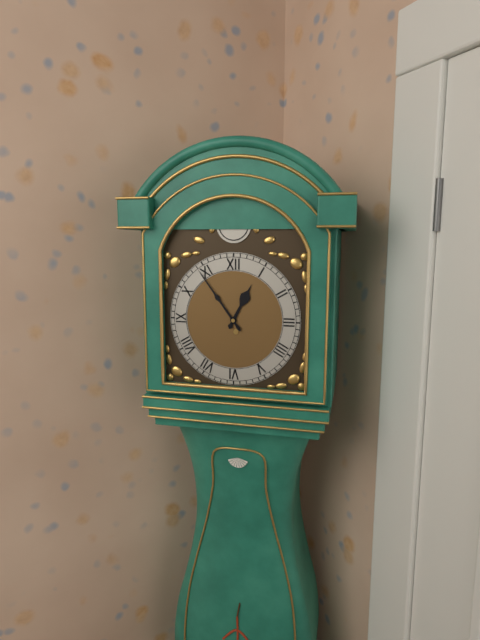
{"hour": 12, "minute": 54}
